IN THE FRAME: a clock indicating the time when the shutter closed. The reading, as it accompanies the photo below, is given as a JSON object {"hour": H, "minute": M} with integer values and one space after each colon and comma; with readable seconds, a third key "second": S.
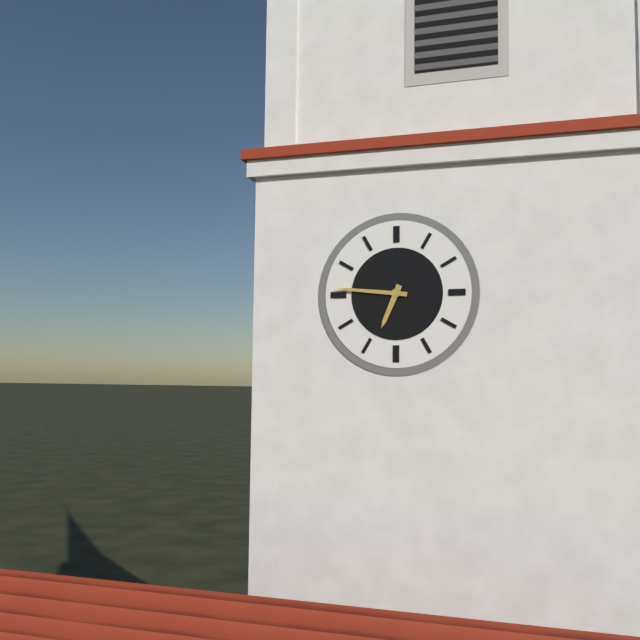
{"hour": 6, "minute": 46}
